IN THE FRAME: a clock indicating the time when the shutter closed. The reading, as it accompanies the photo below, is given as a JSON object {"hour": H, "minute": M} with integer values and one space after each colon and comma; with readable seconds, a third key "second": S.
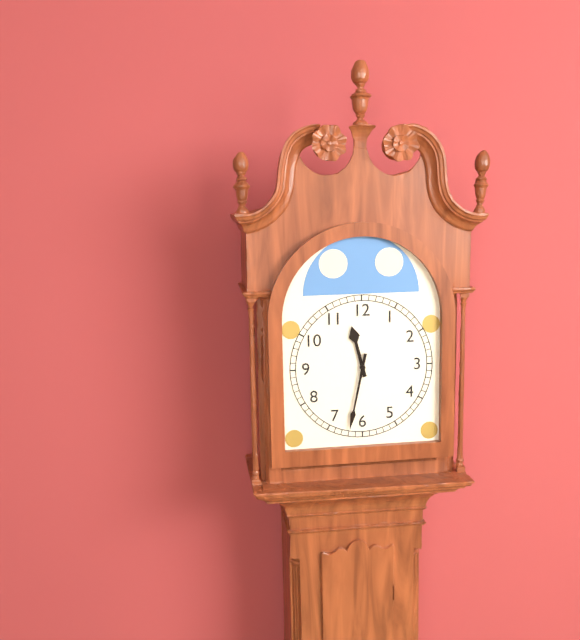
{"hour": 11, "minute": 32}
